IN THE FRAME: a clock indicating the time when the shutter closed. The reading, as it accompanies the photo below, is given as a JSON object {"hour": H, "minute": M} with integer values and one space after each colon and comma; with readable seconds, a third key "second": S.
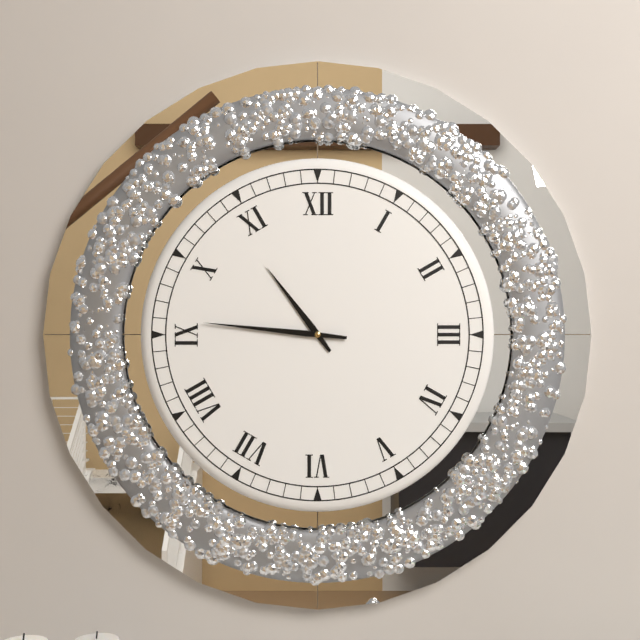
{"hour": 10, "minute": 46}
